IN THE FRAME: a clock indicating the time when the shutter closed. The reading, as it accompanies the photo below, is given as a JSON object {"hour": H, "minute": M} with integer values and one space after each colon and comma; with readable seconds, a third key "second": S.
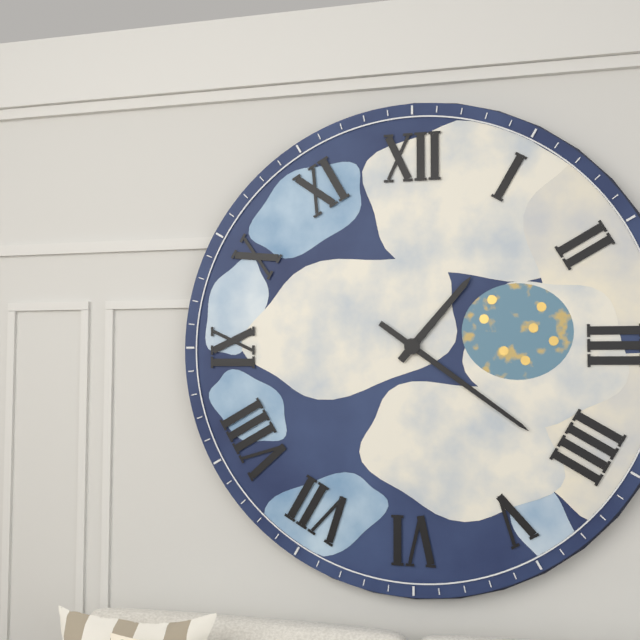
{"hour": 1, "minute": 21}
